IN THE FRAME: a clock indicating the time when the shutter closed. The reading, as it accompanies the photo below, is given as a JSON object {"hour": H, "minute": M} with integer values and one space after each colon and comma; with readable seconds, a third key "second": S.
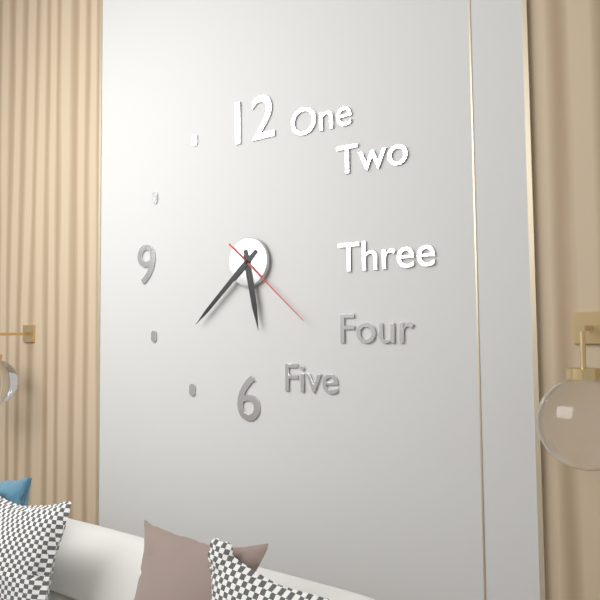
{"hour": 5, "minute": 38, "second": 22}
